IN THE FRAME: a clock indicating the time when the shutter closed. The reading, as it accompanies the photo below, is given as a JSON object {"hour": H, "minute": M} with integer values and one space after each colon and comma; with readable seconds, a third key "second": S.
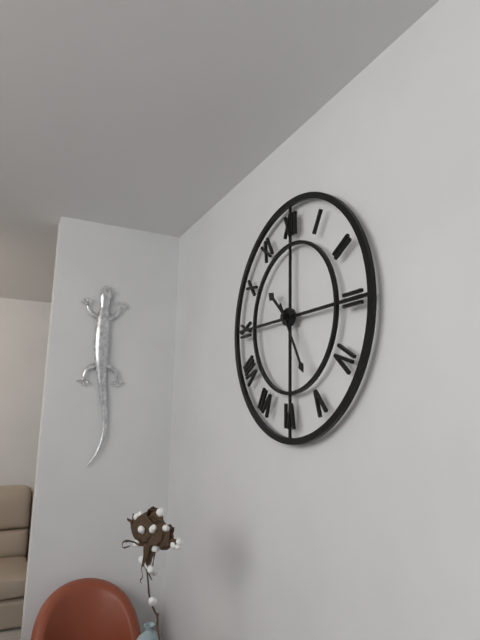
{"hour": 10, "minute": 25}
